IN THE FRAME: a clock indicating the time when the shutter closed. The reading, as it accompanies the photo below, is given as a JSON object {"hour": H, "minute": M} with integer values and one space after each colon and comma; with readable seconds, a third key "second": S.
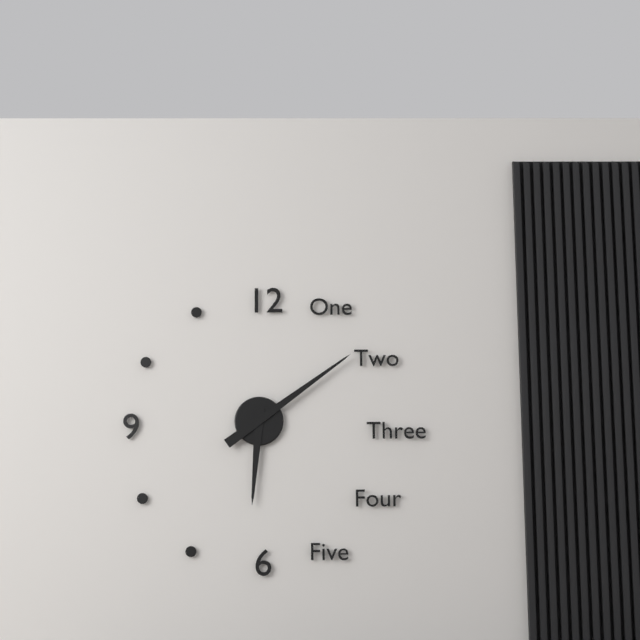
{"hour": 6, "minute": 9}
